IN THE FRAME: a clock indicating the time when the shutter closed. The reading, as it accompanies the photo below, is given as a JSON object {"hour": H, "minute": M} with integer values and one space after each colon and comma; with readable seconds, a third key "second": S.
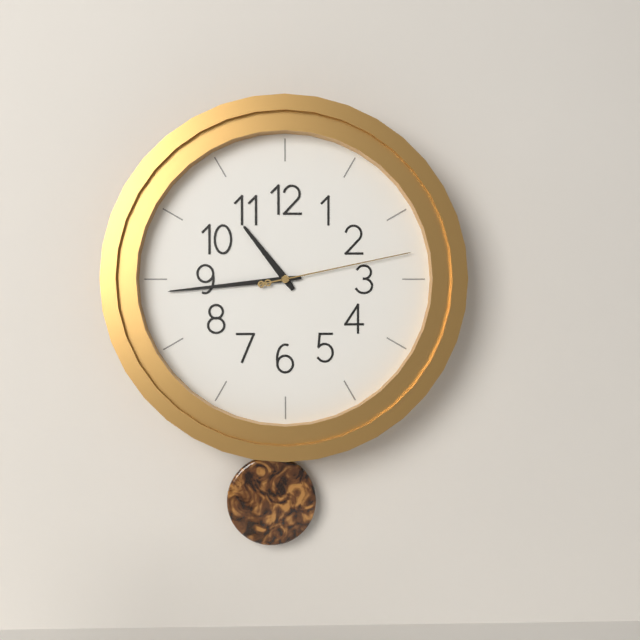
{"hour": 10, "minute": 44, "second": 13}
